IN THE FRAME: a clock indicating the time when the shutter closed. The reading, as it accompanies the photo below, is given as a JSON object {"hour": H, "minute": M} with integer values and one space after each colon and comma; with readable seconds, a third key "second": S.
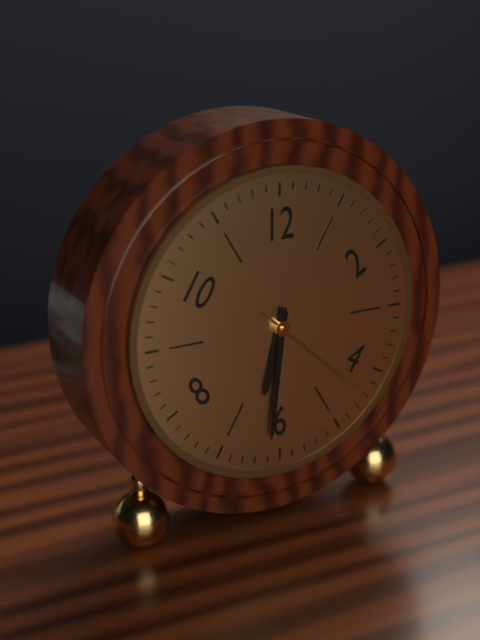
{"hour": 6, "minute": 31, "second": 22}
